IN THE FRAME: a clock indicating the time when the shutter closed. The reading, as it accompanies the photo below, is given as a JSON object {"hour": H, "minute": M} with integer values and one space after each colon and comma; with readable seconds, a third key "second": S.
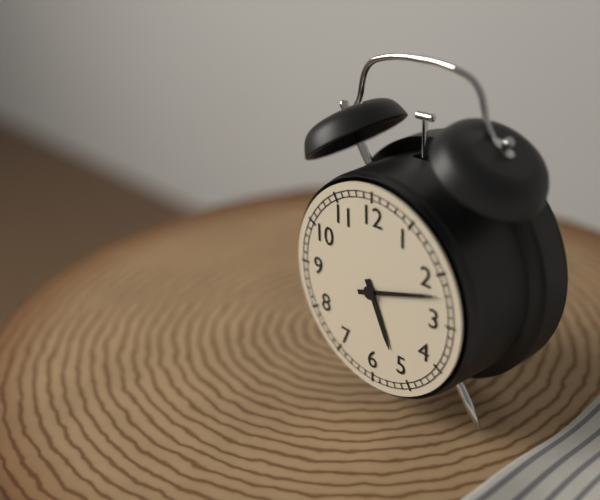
{"hour": 5, "minute": 12}
